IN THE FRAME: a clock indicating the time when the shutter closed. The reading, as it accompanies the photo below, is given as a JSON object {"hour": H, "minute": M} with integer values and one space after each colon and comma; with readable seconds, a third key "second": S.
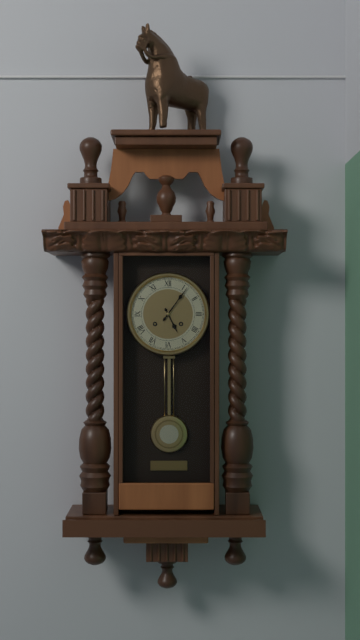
{"hour": 5, "minute": 6}
